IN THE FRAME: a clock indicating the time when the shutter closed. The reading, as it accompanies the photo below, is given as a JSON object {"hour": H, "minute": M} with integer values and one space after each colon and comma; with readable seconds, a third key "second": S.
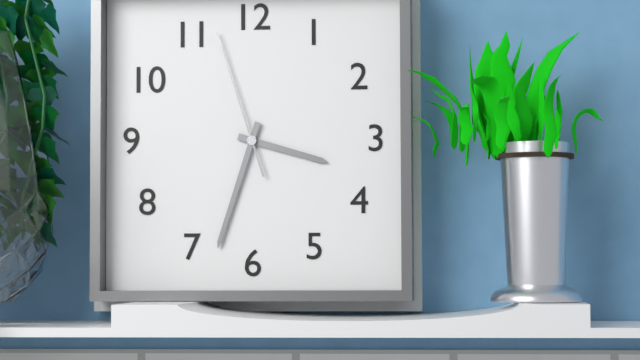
{"hour": 3, "minute": 33, "second": 57}
